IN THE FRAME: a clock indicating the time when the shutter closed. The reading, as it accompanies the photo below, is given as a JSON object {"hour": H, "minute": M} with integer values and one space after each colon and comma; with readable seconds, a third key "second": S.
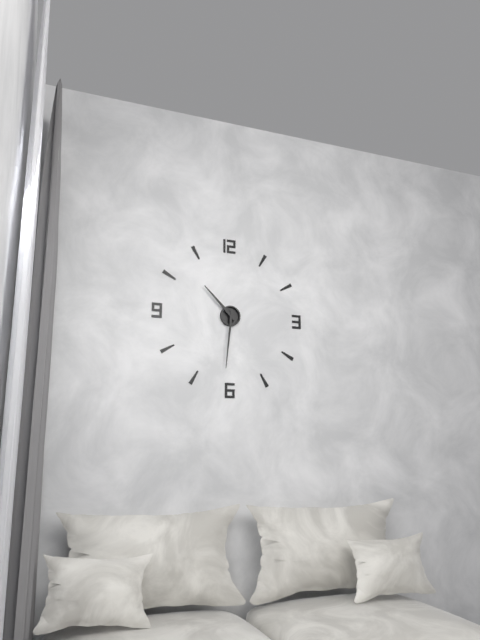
{"hour": 10, "minute": 31}
